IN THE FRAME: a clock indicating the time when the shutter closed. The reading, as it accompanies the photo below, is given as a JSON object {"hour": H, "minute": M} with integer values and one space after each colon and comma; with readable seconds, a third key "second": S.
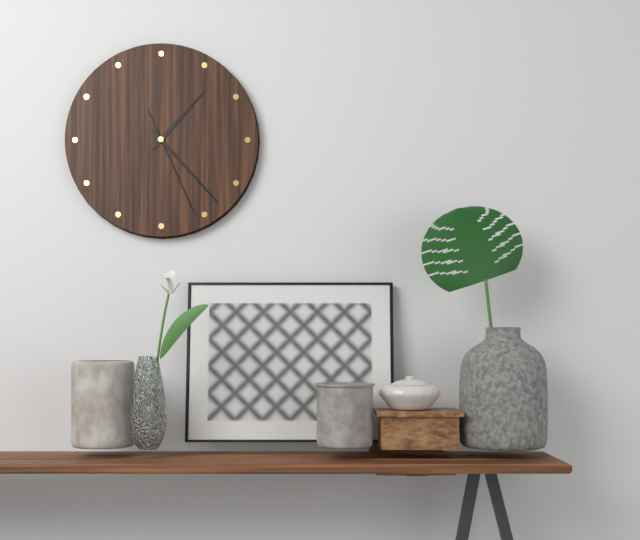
{"hour": 1, "minute": 23, "second": 26}
